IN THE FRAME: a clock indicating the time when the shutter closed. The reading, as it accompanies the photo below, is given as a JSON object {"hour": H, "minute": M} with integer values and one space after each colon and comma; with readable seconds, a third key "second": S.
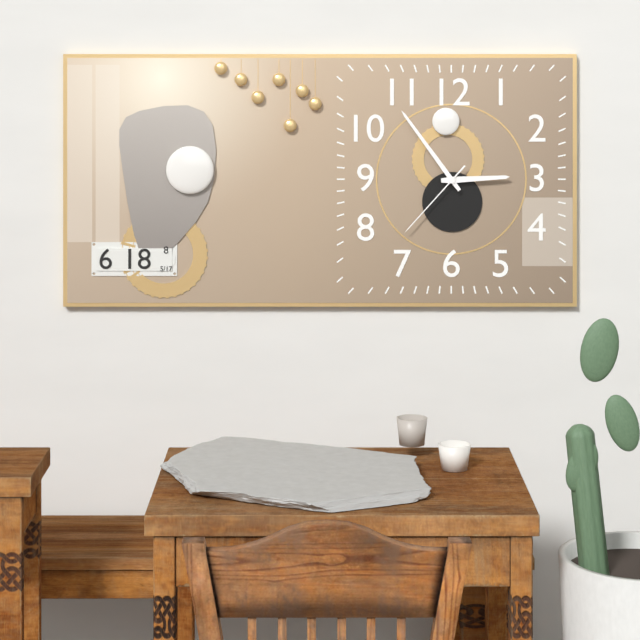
{"hour": 2, "minute": 54, "second": 37}
